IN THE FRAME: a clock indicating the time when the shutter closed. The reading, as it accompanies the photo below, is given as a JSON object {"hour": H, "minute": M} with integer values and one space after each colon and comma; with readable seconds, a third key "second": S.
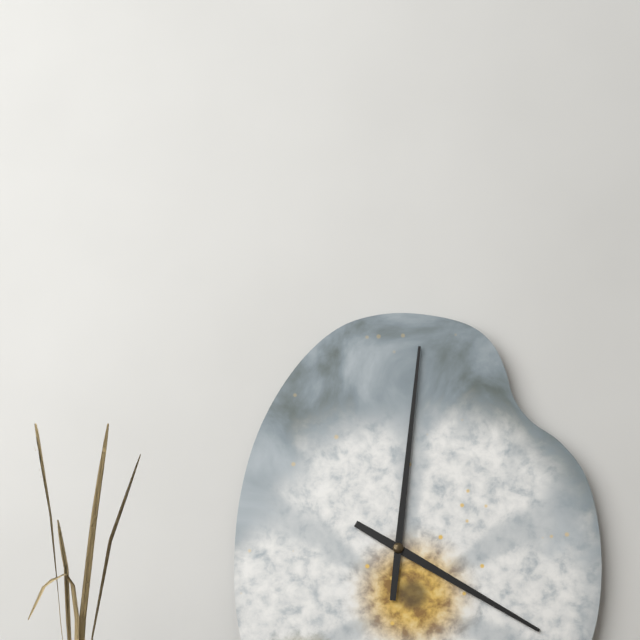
{"hour": 4, "minute": 1}
